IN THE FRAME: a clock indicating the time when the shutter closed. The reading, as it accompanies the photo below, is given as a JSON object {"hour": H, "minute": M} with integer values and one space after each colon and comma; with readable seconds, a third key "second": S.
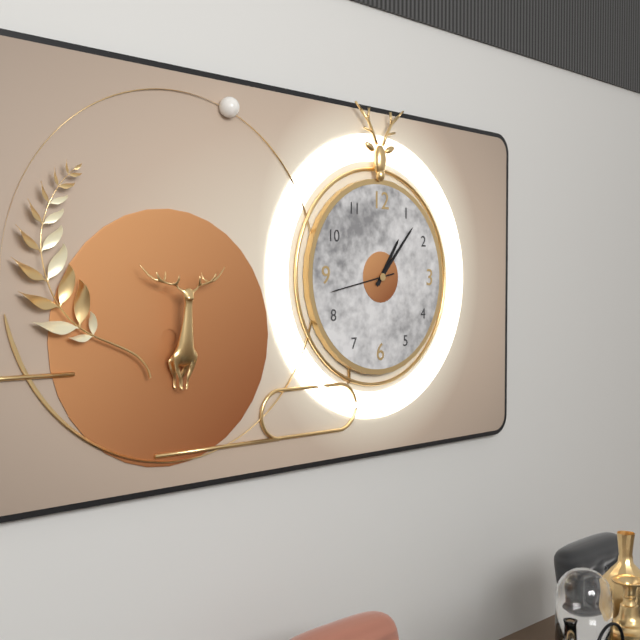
{"hour": 1, "minute": 7, "second": 43}
